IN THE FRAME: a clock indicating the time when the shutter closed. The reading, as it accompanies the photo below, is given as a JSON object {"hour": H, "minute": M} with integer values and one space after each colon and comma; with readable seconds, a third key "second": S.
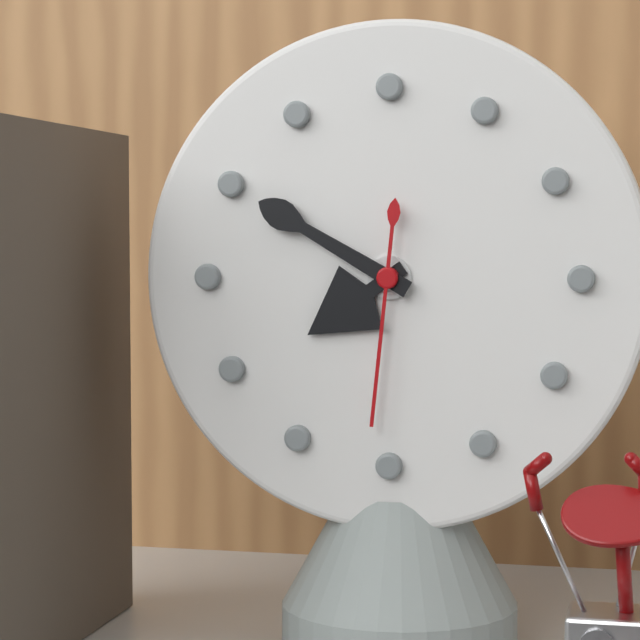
{"hour": 7, "minute": 50, "second": 31}
